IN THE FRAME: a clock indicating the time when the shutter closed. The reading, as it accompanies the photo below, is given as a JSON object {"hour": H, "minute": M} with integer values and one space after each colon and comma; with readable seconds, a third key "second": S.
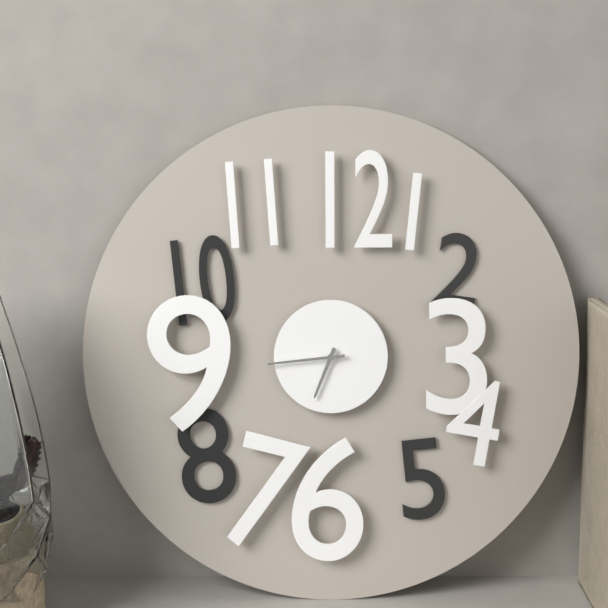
{"hour": 6, "minute": 44}
